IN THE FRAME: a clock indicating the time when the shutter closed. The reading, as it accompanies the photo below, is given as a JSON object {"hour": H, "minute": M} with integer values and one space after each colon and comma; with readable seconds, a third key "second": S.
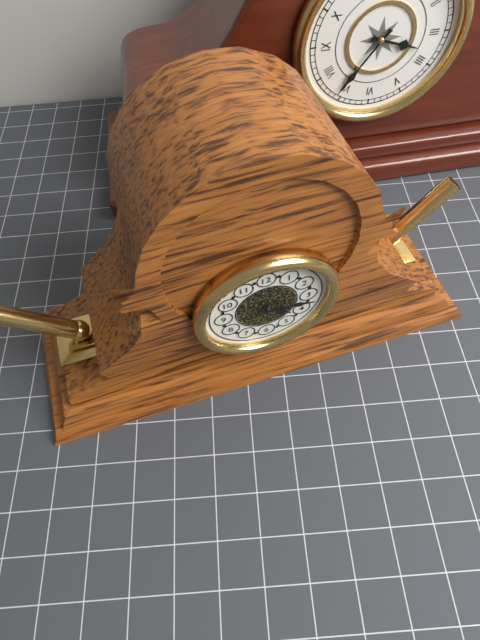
{"hour": 4, "minute": 17}
